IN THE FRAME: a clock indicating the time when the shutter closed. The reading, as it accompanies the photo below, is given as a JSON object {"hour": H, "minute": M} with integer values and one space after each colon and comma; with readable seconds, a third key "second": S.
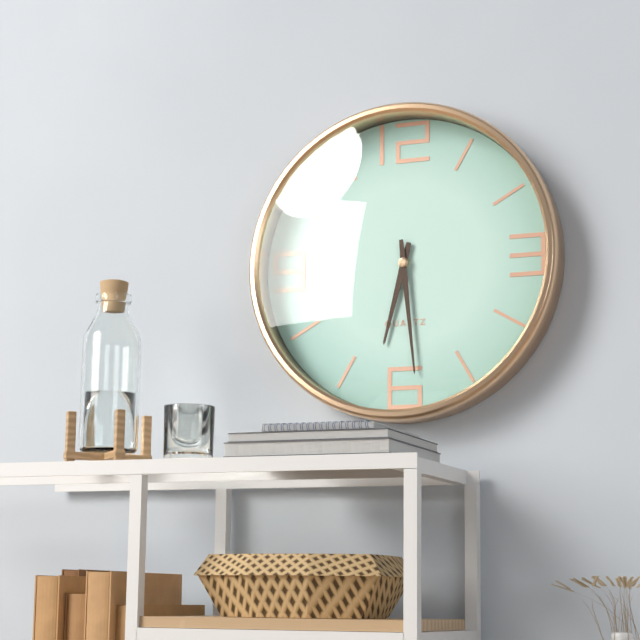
{"hour": 6, "minute": 29}
